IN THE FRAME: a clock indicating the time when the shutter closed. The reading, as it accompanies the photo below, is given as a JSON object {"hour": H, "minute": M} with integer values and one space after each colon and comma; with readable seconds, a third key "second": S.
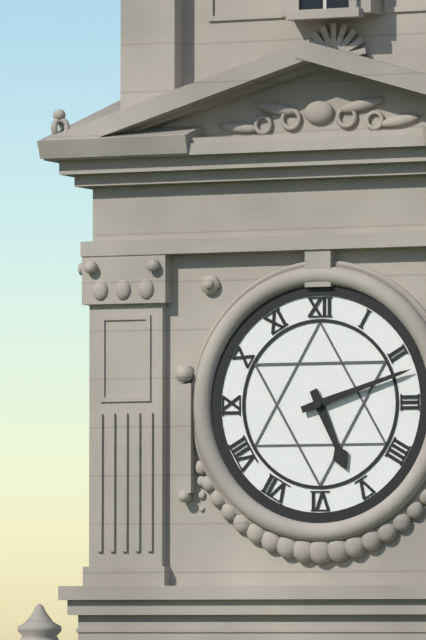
{"hour": 5, "minute": 12}
